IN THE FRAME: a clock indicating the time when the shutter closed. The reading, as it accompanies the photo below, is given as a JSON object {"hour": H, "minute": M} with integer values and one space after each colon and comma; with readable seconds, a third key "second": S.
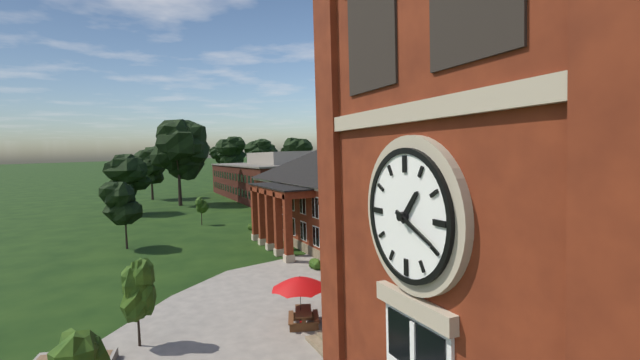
{"hour": 1, "minute": 19}
